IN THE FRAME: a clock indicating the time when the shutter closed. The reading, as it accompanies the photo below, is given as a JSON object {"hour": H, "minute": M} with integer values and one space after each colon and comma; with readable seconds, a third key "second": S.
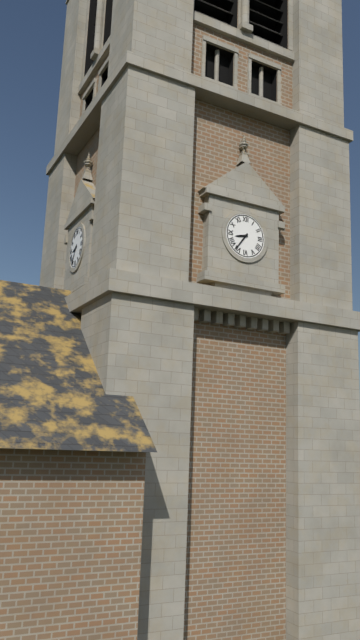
{"hour": 8, "minute": 36}
